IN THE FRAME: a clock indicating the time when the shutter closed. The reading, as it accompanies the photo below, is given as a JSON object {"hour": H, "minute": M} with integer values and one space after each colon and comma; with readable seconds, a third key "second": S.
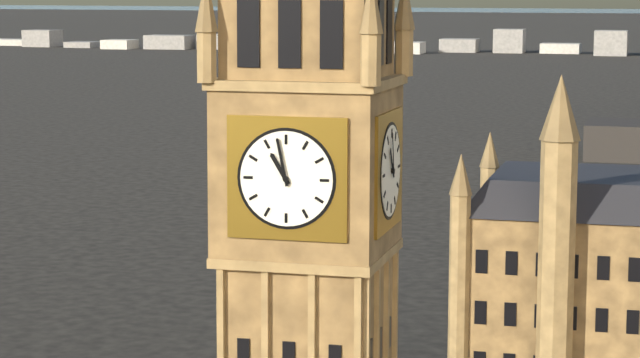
{"hour": 10, "minute": 58}
